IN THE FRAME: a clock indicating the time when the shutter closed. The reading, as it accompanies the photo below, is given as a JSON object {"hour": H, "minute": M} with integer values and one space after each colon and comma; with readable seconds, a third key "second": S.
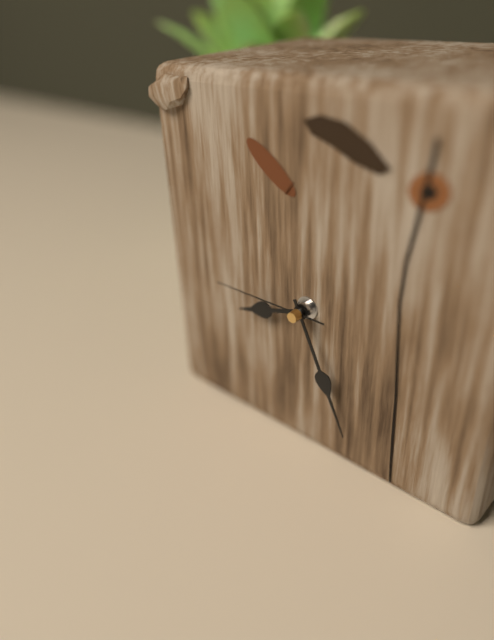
{"hour": 8, "minute": 26, "second": 45}
